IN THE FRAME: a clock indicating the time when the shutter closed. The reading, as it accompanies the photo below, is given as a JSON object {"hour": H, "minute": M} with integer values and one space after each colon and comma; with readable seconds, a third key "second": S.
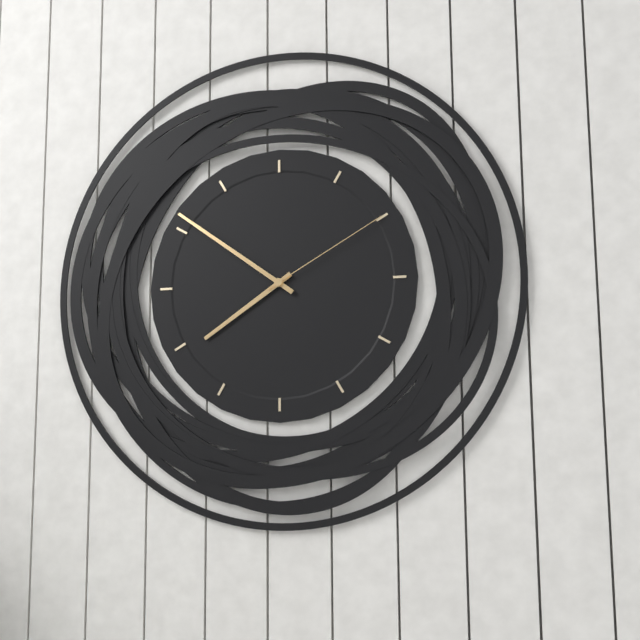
{"hour": 7, "minute": 51, "second": 10}
